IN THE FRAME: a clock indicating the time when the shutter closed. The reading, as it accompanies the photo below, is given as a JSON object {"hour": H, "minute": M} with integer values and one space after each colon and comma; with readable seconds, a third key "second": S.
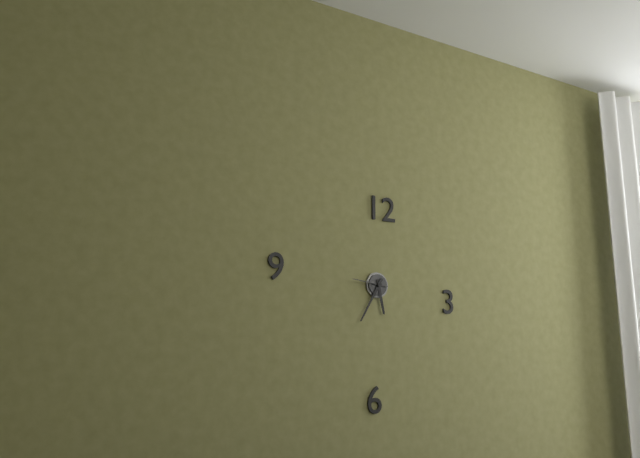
{"hour": 5, "minute": 35}
